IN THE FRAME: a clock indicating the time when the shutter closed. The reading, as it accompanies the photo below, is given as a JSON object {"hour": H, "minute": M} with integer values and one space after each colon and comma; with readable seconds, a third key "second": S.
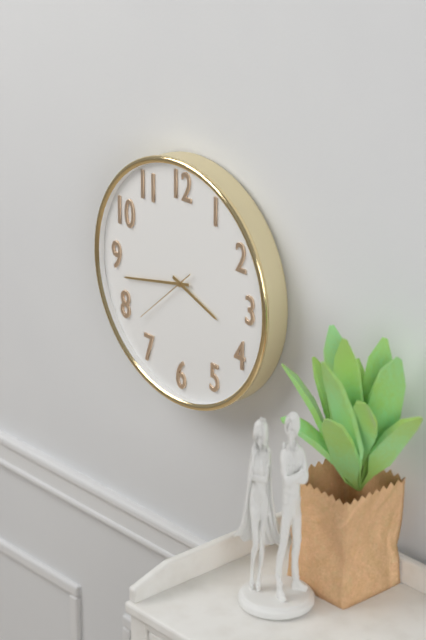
{"hour": 3, "minute": 43, "second": 38}
